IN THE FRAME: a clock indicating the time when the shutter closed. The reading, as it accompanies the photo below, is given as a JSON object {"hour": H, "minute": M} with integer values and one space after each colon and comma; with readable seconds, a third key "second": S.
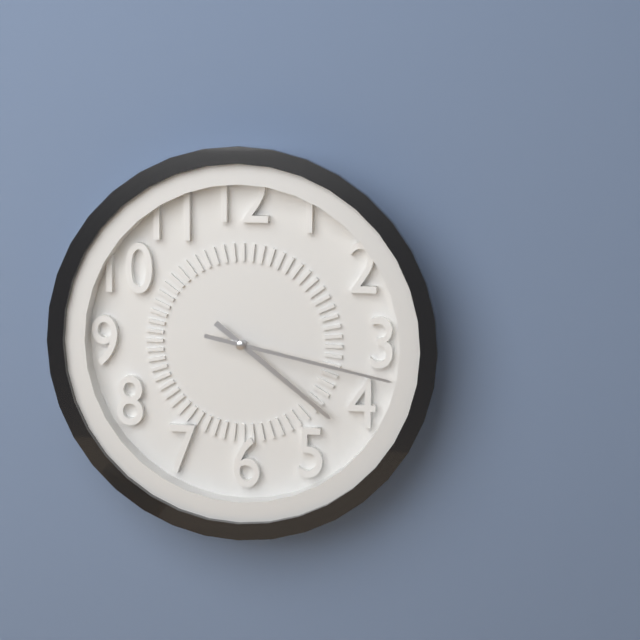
{"hour": 4, "minute": 17}
